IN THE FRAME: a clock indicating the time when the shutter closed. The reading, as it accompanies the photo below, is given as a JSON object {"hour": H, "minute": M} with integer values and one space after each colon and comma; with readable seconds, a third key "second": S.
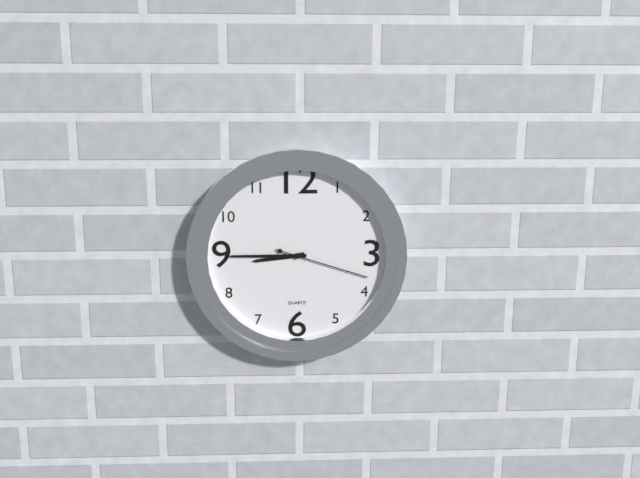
{"hour": 8, "minute": 45, "second": 18}
